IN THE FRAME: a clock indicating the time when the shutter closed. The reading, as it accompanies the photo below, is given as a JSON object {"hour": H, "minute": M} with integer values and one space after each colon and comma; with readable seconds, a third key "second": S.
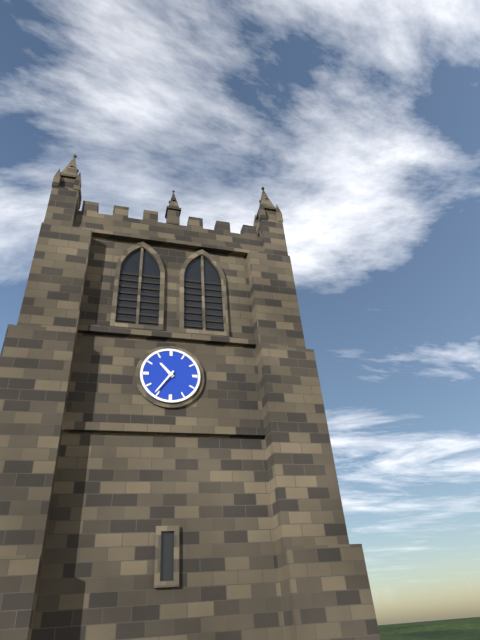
{"hour": 10, "minute": 36}
